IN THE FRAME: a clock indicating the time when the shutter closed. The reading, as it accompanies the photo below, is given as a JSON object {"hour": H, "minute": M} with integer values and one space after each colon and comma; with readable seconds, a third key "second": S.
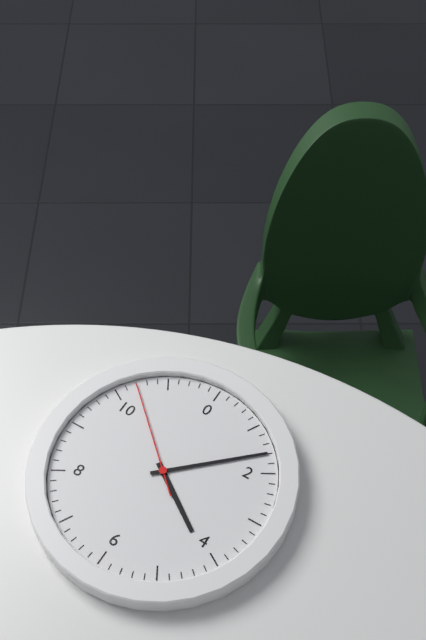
{"hour": 4, "minute": 8, "second": 52}
